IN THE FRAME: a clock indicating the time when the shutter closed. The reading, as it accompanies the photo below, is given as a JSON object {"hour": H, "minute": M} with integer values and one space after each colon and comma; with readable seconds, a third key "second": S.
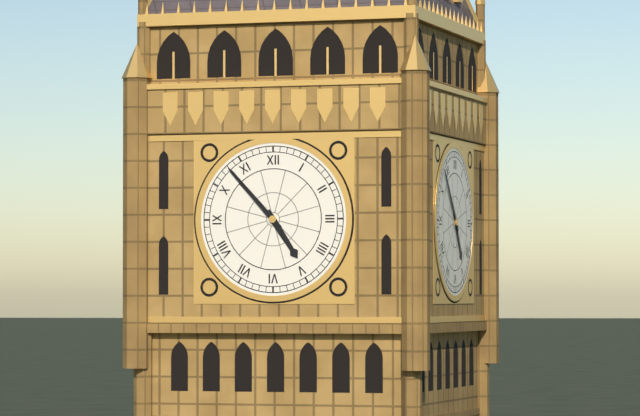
{"hour": 4, "minute": 53}
